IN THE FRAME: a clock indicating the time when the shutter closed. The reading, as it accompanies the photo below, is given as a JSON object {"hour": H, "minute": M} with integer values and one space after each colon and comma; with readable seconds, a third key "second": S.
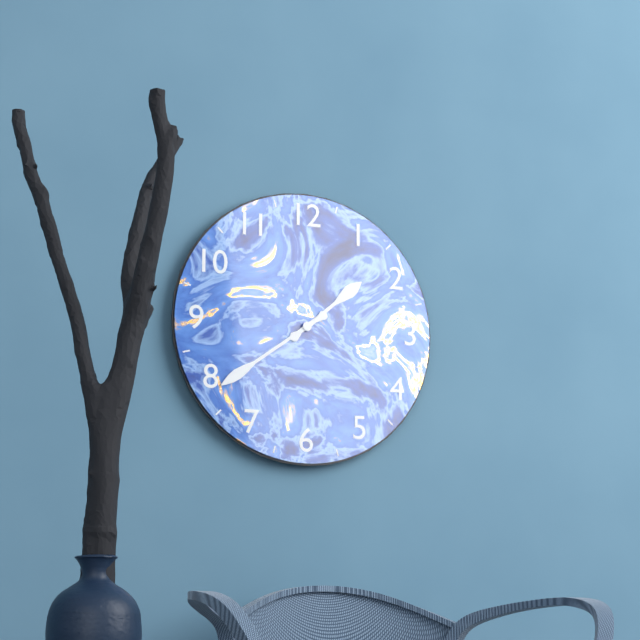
{"hour": 1, "minute": 39}
